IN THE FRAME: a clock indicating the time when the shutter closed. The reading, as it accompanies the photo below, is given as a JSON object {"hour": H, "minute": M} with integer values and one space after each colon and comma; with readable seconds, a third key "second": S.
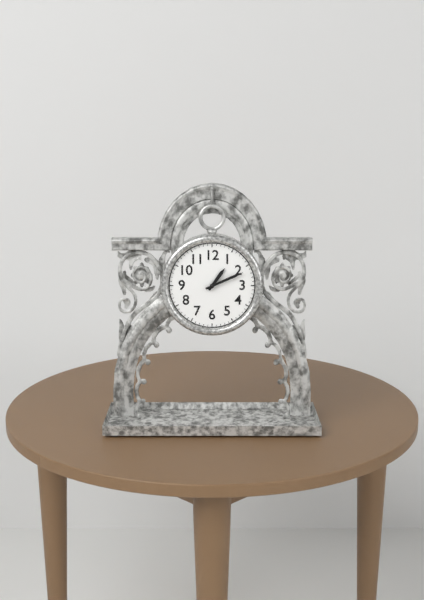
{"hour": 1, "minute": 11}
